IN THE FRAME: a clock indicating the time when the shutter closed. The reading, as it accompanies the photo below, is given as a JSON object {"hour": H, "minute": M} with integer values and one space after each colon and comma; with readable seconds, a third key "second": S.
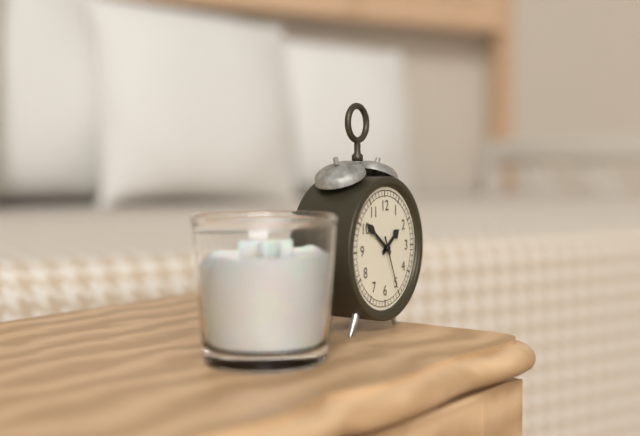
{"hour": 1, "minute": 51, "second": 26}
